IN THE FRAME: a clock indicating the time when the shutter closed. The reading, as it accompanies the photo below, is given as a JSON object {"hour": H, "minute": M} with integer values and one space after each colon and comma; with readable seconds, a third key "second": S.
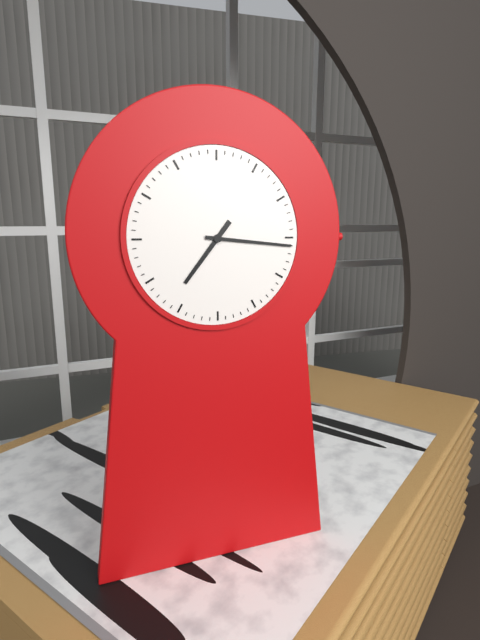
{"hour": 7, "minute": 16}
